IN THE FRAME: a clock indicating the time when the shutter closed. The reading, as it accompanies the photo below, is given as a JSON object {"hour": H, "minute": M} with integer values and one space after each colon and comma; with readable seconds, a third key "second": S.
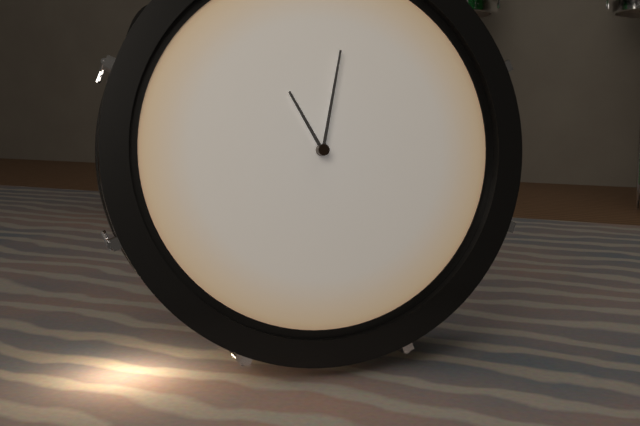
{"hour": 11, "minute": 2}
